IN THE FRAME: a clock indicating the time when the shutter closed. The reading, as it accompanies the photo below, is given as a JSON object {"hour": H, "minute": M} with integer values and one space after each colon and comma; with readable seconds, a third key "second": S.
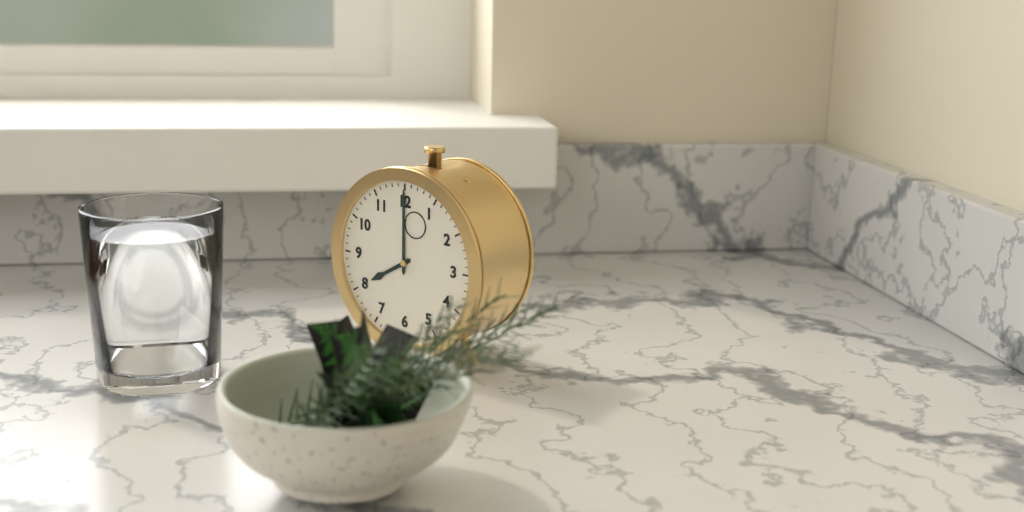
{"hour": 8, "minute": 0}
